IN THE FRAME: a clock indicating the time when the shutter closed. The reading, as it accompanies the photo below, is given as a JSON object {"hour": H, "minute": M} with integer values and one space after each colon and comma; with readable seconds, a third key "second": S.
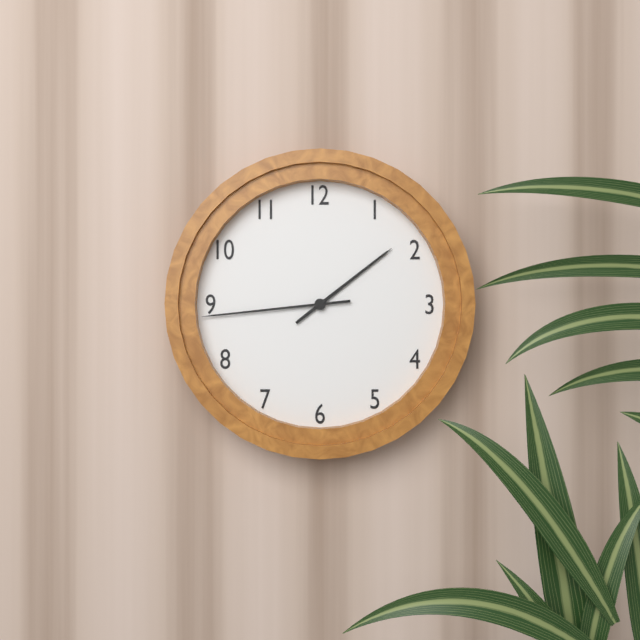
{"hour": 1, "minute": 44}
